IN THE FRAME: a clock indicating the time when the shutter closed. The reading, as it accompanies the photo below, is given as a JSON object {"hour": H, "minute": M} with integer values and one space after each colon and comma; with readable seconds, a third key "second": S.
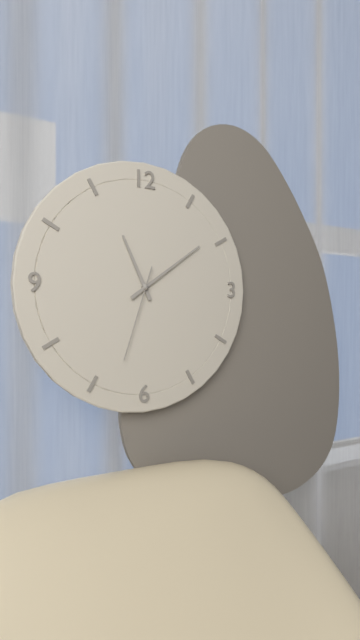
{"hour": 11, "minute": 9, "second": 33}
